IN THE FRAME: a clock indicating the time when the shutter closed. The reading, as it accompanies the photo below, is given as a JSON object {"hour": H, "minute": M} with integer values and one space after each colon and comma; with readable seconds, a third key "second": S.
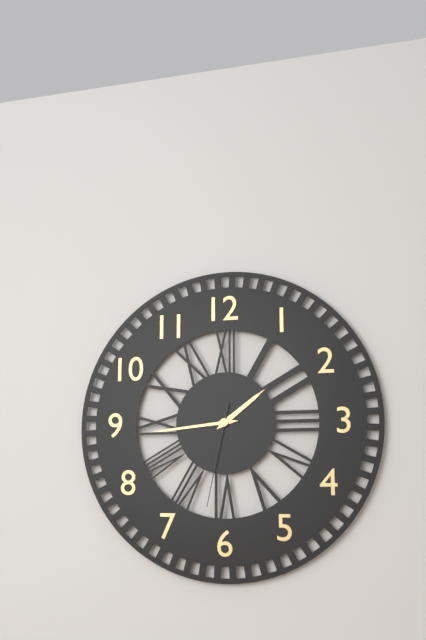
{"hour": 1, "minute": 44, "second": 32}
